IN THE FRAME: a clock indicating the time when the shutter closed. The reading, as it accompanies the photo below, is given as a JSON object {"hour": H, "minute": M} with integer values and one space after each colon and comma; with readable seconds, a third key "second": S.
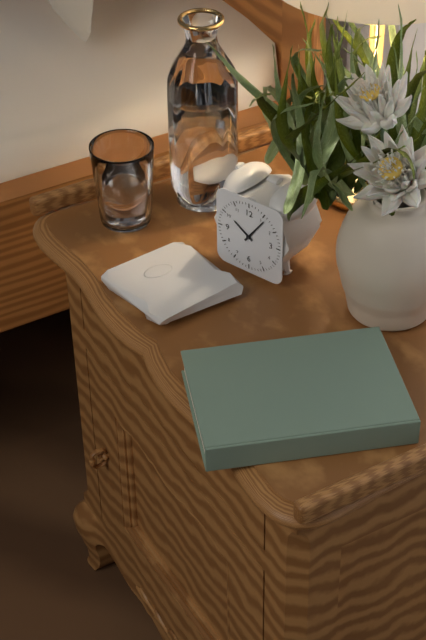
{"hour": 10, "minute": 6}
